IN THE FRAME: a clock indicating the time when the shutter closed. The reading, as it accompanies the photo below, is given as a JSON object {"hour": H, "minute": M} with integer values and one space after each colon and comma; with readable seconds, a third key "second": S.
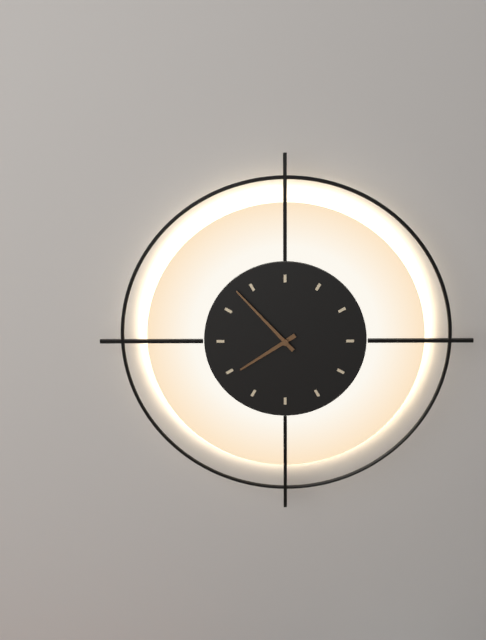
{"hour": 7, "minute": 53}
